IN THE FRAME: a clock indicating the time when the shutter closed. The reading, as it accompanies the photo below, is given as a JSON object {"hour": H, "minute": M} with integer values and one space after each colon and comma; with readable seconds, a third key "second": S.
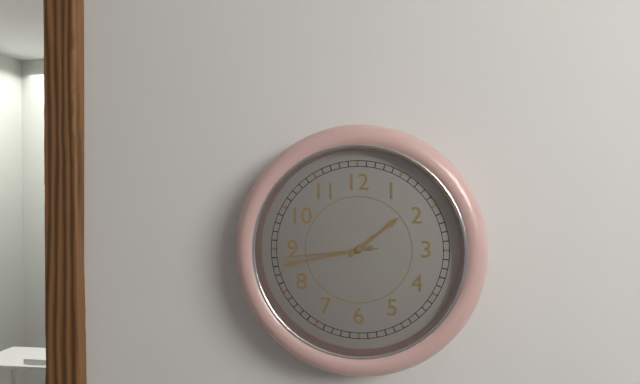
{"hour": 1, "minute": 43, "second": 44}
